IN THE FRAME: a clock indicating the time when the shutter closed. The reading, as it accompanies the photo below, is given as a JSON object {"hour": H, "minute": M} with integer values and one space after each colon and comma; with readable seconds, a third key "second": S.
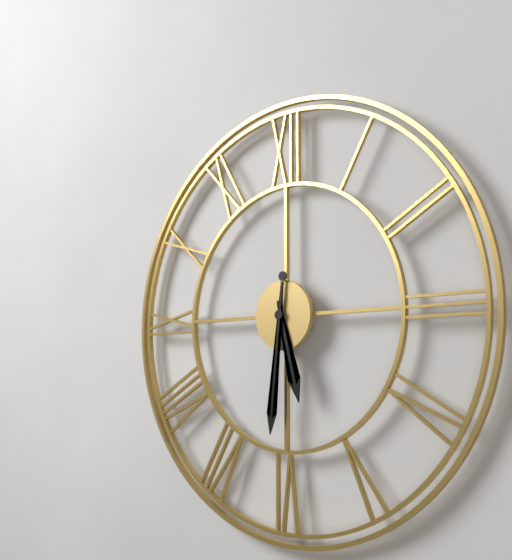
{"hour": 5, "minute": 31}
